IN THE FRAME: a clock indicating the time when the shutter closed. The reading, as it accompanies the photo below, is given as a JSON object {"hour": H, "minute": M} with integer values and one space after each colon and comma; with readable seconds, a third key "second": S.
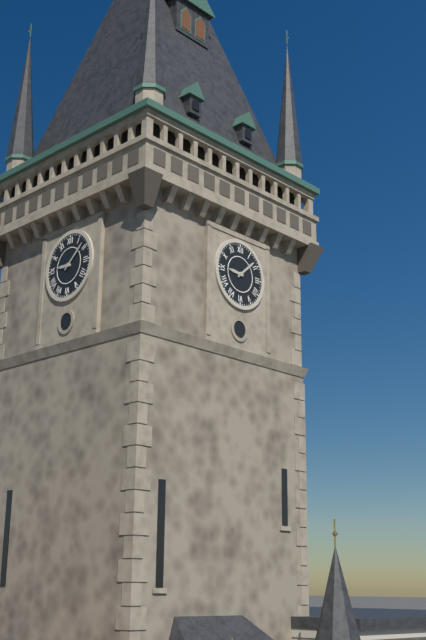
{"hour": 9, "minute": 8}
